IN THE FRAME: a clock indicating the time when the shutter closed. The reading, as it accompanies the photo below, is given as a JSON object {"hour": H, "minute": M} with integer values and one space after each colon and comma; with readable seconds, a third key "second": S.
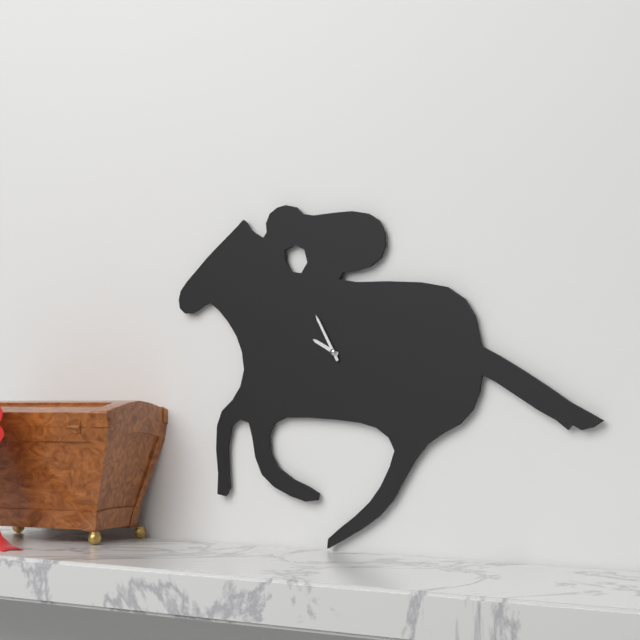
{"hour": 9, "minute": 55}
